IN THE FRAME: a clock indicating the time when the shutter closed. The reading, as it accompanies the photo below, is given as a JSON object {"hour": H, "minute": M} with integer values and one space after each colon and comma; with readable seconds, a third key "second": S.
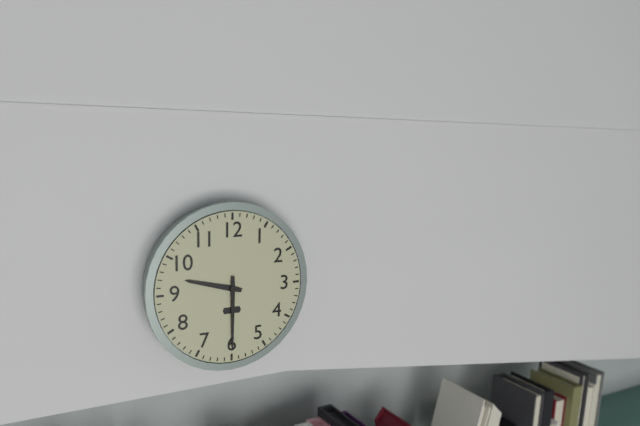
{"hour": 9, "minute": 30}
